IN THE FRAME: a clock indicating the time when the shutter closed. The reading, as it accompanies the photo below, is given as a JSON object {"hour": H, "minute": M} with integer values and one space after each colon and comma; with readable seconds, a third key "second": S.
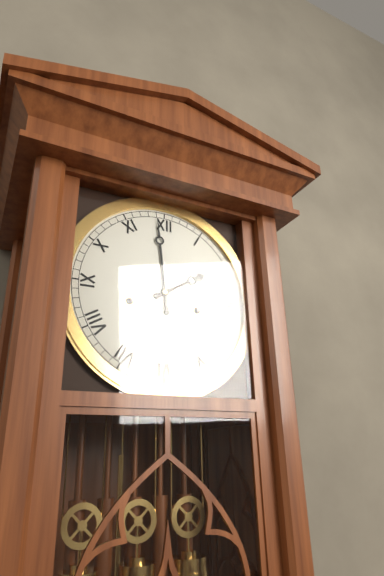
{"hour": 1, "minute": 59}
